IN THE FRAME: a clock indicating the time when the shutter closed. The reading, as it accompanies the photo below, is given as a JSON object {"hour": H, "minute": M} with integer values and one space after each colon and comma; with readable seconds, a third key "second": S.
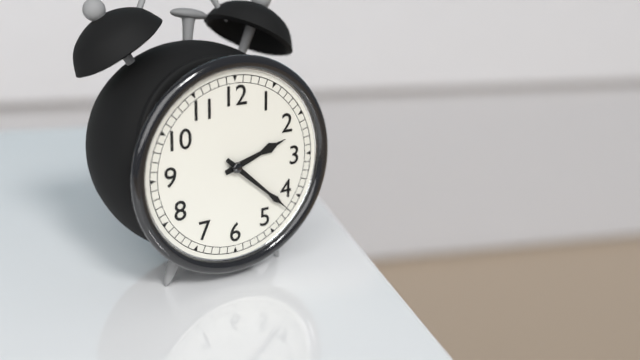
{"hour": 2, "minute": 22}
